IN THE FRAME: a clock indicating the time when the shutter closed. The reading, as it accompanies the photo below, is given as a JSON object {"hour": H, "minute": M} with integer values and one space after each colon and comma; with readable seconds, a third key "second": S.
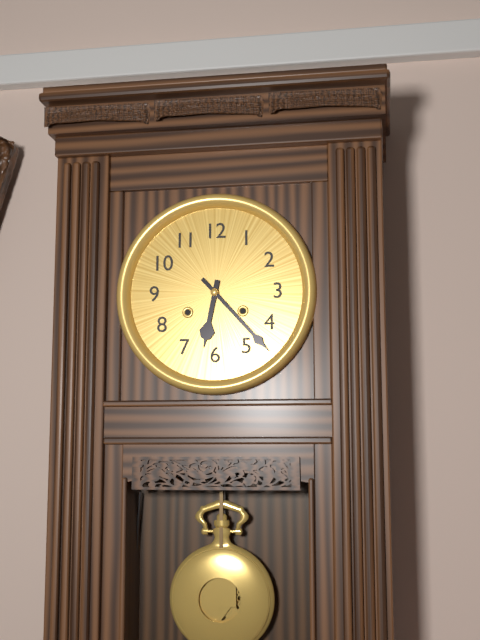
{"hour": 6, "minute": 23}
